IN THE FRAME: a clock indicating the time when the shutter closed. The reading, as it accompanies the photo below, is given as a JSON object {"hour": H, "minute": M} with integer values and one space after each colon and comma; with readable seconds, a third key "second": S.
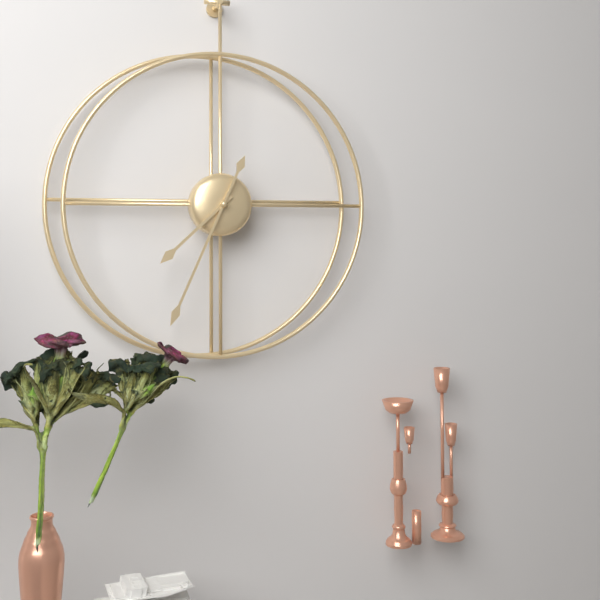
{"hour": 7, "minute": 34}
